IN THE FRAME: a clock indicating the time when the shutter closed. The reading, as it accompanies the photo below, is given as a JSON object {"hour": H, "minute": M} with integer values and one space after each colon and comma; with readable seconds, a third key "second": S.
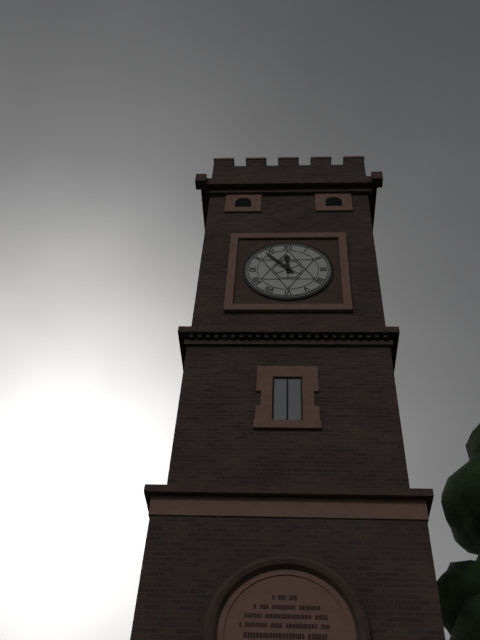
{"hour": 11, "minute": 53}
